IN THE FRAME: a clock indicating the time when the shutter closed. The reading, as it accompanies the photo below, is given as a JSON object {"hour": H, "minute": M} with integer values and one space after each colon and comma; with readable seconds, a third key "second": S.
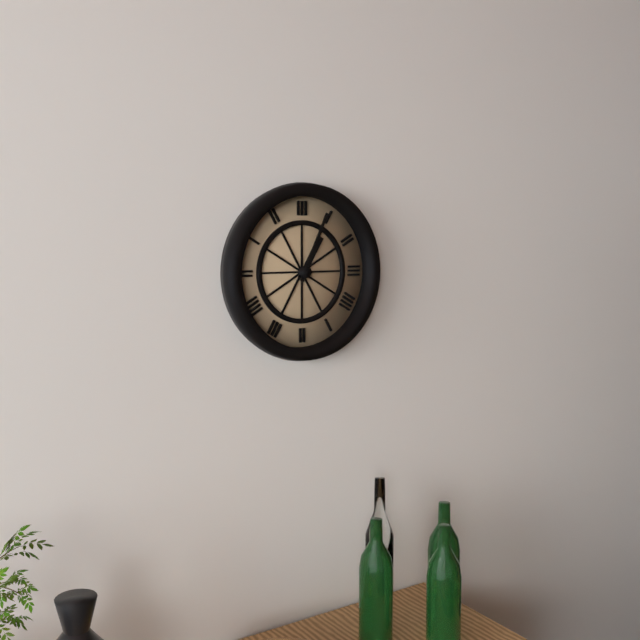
{"hour": 1, "minute": 4}
